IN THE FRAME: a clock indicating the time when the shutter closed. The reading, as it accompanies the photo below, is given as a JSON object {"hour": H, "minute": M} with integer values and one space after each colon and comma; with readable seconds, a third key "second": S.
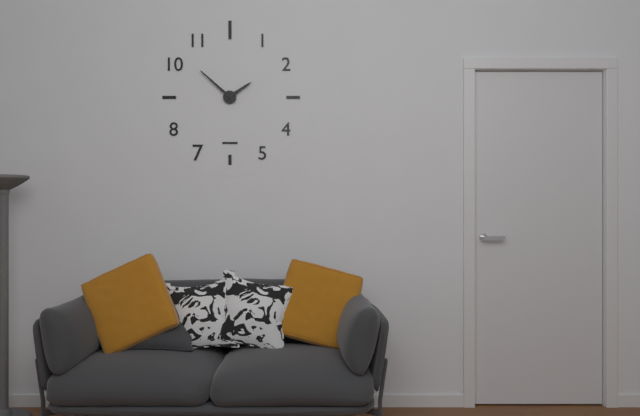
{"hour": 1, "minute": 52}
